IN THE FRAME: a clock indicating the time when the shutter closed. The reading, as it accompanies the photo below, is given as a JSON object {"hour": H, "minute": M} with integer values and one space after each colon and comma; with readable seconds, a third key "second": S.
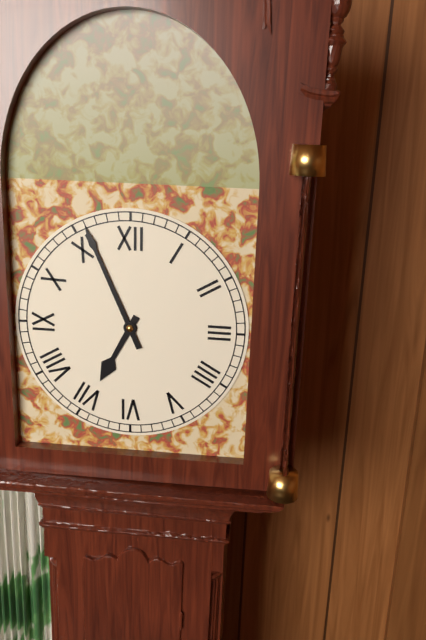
{"hour": 6, "minute": 56}
